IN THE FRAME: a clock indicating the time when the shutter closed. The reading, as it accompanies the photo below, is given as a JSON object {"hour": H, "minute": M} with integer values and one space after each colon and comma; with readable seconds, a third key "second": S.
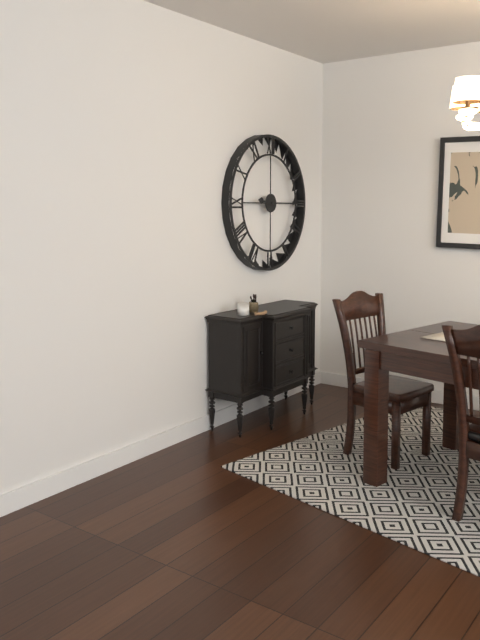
{"hour": 9, "minute": 15}
